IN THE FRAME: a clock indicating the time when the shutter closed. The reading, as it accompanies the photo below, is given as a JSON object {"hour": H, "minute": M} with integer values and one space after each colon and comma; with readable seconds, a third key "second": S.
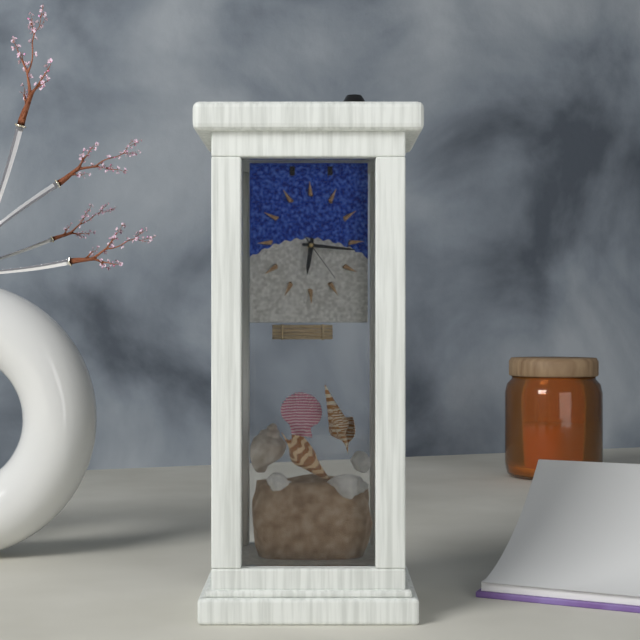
{"hour": 6, "minute": 16, "second": 24}
